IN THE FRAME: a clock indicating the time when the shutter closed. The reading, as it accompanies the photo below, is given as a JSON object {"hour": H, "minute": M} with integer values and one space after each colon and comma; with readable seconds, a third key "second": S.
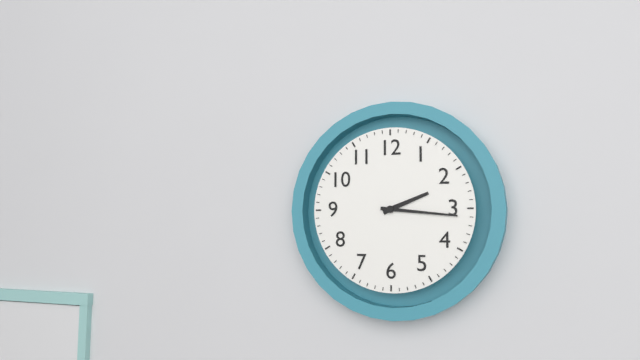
{"hour": 2, "minute": 16}
